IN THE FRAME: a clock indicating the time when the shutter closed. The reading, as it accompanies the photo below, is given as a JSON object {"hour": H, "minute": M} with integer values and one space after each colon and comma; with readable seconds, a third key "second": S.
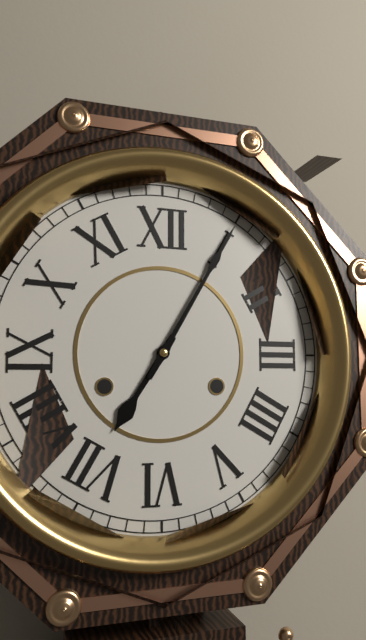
{"hour": 7, "minute": 5}
